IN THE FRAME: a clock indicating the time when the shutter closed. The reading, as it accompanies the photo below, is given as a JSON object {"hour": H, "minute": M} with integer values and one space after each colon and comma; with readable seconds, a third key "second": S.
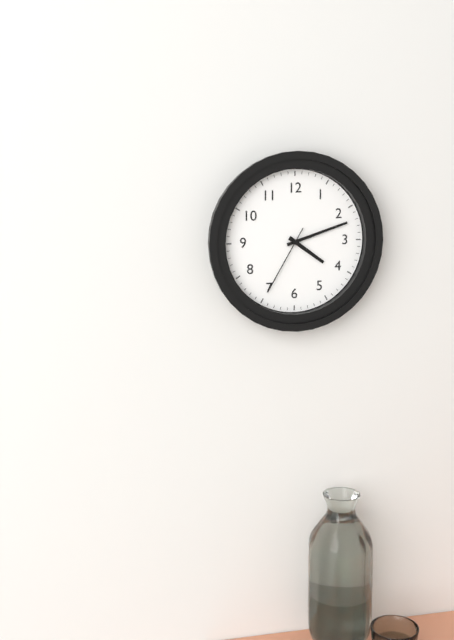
{"hour": 4, "minute": 12, "second": 35}
